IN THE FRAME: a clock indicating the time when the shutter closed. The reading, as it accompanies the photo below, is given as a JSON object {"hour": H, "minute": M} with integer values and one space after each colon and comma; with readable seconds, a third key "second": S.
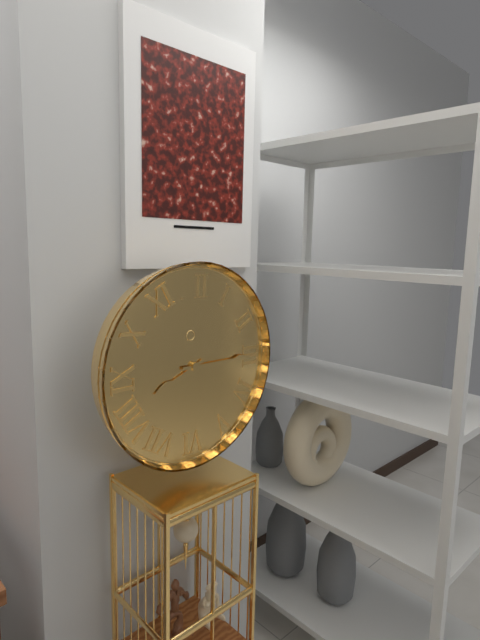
{"hour": 8, "minute": 15}
